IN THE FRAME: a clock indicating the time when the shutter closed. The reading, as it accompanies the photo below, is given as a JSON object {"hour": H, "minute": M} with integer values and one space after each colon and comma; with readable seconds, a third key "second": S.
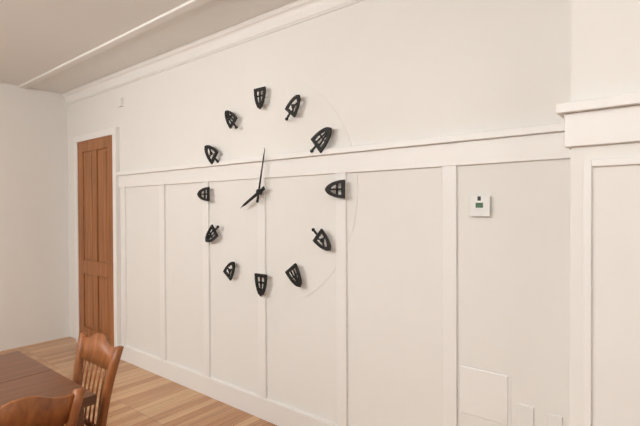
{"hour": 8, "minute": 2}
